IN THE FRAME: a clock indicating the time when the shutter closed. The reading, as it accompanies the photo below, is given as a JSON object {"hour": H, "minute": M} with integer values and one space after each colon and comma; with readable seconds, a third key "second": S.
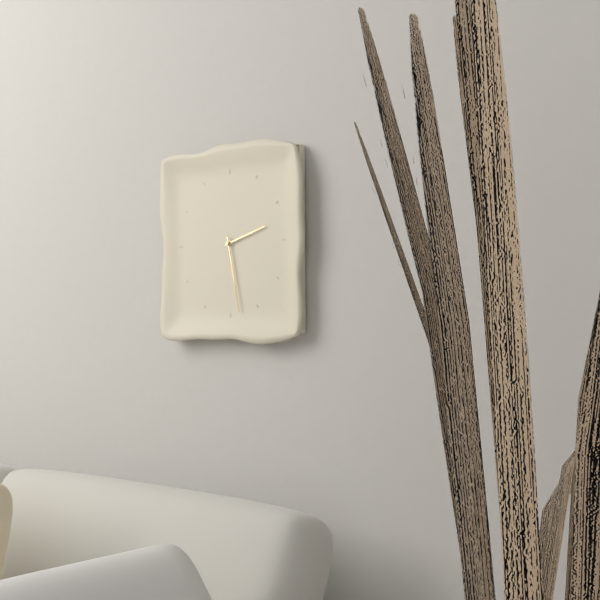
{"hour": 2, "minute": 28}
